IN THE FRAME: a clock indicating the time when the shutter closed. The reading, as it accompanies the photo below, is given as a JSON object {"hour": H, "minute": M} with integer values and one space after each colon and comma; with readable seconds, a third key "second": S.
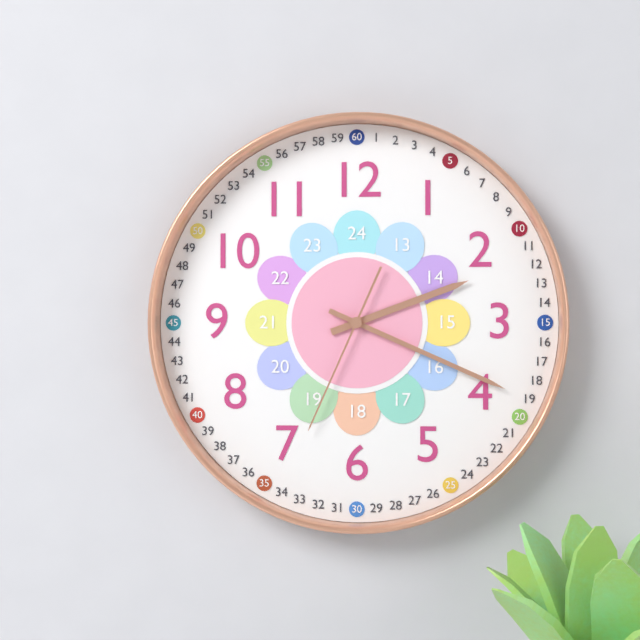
{"hour": 2, "minute": 19, "second": 34}
